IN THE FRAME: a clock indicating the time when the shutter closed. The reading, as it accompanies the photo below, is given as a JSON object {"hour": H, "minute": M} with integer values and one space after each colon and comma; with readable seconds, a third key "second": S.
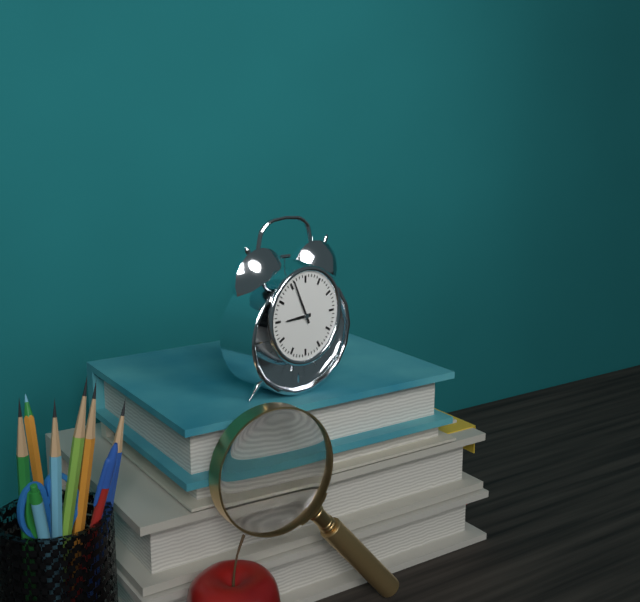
{"hour": 8, "minute": 56}
